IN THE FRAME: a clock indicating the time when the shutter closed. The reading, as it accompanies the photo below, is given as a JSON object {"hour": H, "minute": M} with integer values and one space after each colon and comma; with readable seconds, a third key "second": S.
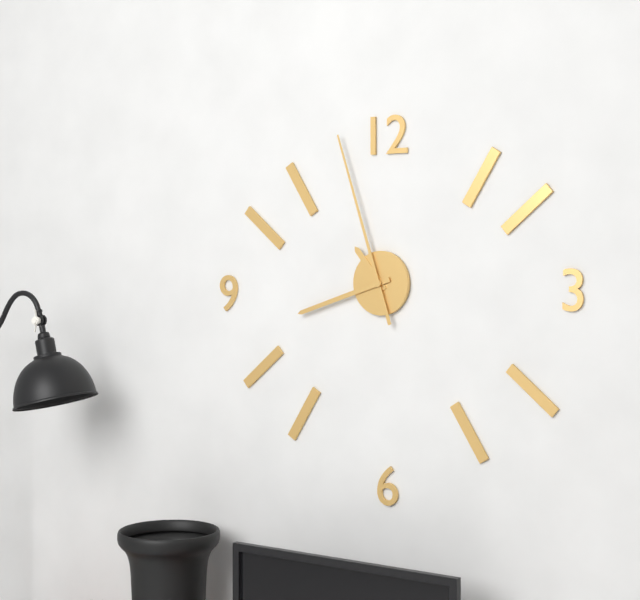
{"hour": 10, "minute": 42, "second": 57}
